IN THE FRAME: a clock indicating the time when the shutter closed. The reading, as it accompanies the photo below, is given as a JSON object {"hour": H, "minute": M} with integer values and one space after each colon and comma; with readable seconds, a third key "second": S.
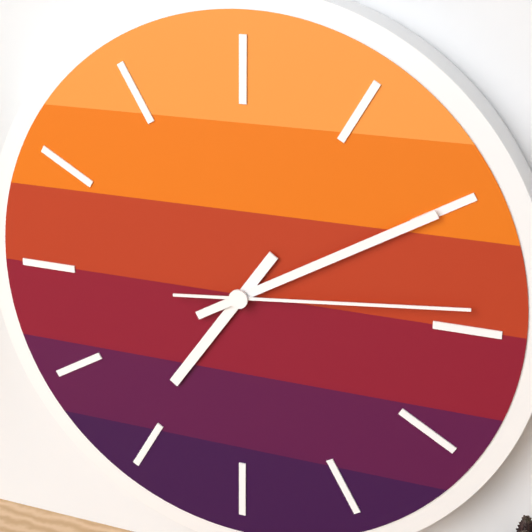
{"hour": 7, "minute": 10, "second": 14}
